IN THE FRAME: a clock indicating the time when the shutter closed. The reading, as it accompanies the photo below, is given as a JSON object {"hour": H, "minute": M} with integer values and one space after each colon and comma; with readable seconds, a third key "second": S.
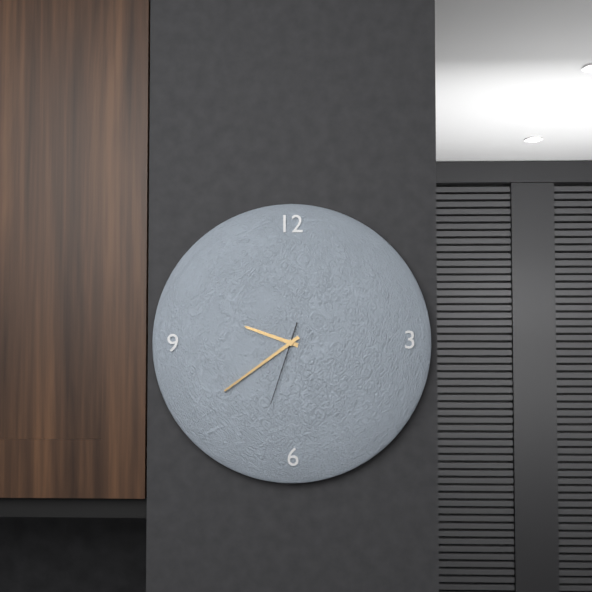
{"hour": 9, "minute": 39, "second": 33}
